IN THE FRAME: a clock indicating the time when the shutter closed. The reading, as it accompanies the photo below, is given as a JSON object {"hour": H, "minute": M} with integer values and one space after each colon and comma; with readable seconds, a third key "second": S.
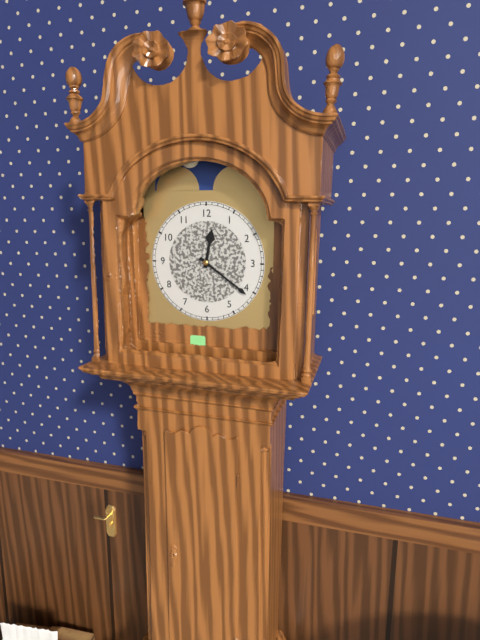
{"hour": 12, "minute": 21}
